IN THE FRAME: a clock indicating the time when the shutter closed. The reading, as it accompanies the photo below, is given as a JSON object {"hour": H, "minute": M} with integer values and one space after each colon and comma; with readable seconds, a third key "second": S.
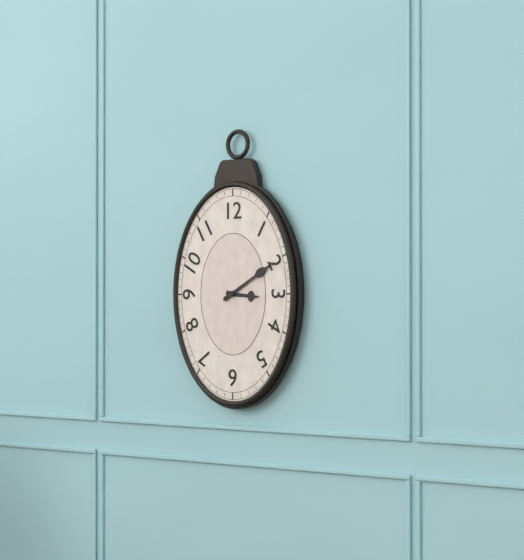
{"hour": 3, "minute": 10}
